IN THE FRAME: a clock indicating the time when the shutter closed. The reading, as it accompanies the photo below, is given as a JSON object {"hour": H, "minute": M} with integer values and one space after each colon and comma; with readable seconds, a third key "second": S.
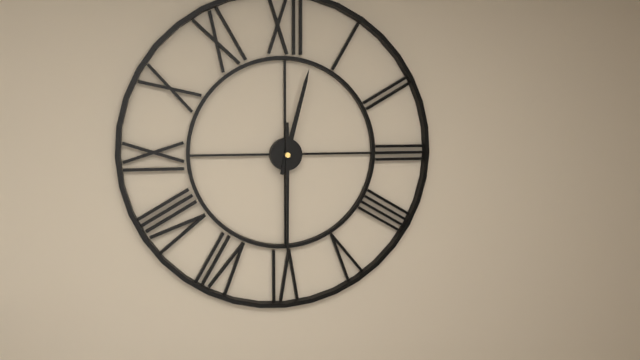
{"hour": 12, "minute": 30}
